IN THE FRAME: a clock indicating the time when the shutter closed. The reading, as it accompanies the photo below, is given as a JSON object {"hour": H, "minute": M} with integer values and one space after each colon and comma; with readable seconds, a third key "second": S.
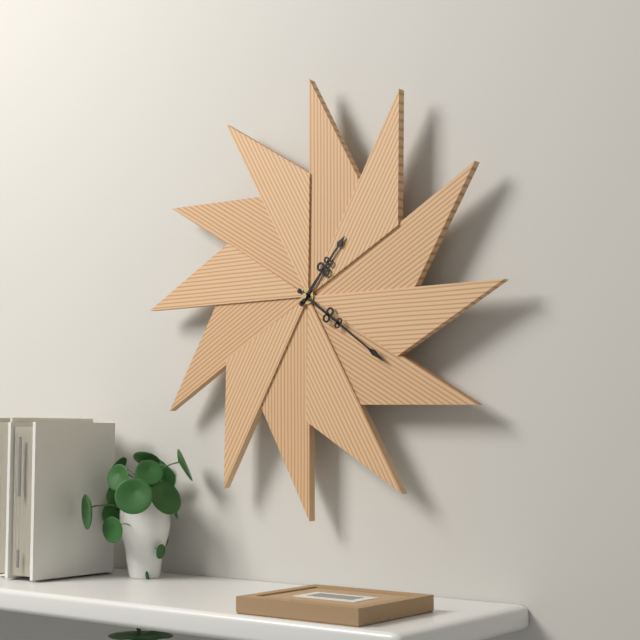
{"hour": 1, "minute": 21}
